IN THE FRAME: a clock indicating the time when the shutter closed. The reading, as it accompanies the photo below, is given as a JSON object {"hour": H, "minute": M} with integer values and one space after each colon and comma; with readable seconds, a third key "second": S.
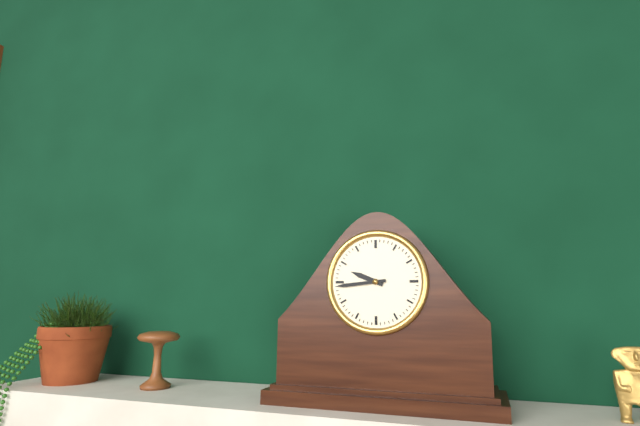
{"hour": 9, "minute": 44}
